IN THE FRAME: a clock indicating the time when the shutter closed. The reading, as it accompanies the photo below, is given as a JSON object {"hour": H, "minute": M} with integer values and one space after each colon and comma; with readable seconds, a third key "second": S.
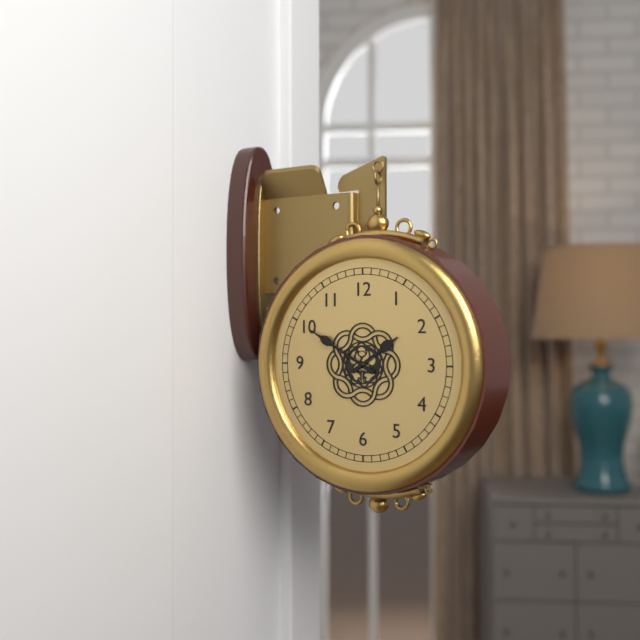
{"hour": 1, "minute": 50}
